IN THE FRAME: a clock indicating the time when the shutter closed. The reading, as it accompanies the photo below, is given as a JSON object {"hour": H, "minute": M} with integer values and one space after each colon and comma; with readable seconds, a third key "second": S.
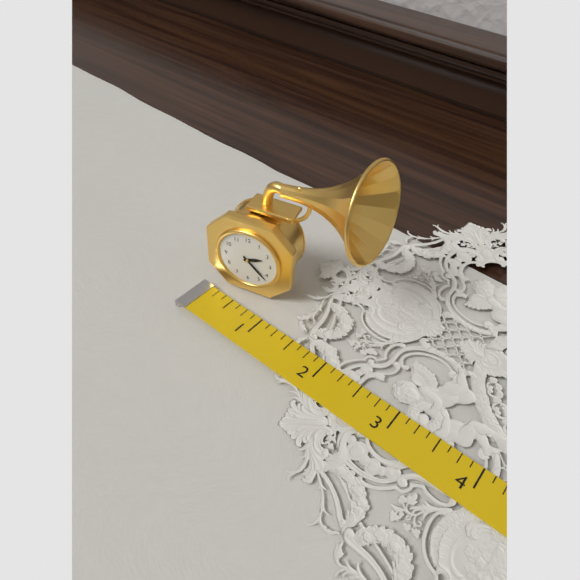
{"hour": 2, "minute": 22}
